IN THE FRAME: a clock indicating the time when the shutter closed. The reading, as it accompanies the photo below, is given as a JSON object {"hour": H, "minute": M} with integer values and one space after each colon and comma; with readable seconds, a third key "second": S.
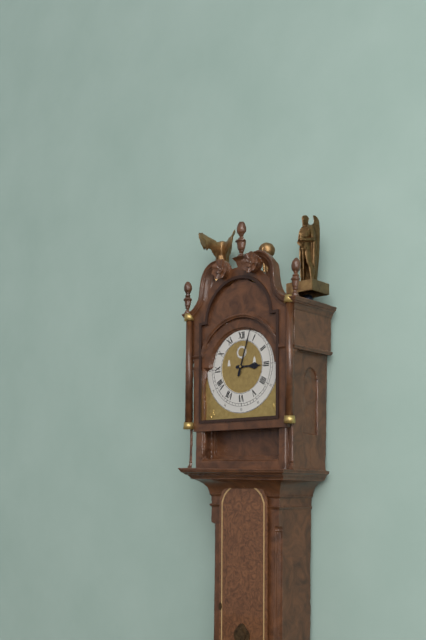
{"hour": 3, "minute": 3}
